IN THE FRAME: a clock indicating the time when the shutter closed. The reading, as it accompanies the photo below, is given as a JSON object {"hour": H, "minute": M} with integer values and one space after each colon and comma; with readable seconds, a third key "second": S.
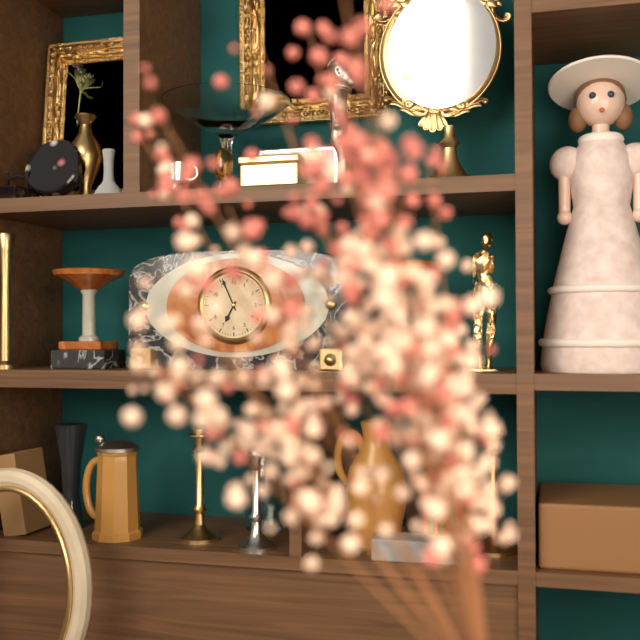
{"hour": 6, "minute": 56}
